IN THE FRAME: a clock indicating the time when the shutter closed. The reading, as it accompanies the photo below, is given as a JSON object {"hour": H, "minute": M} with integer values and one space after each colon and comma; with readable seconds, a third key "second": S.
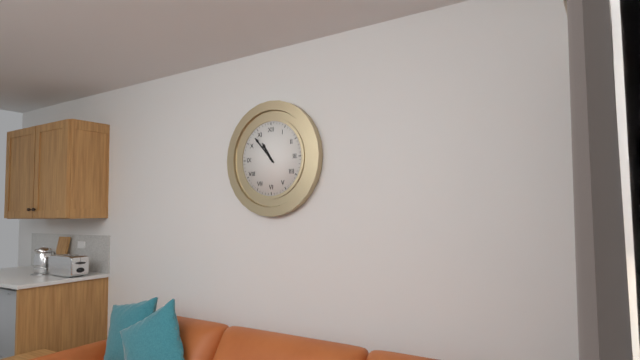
{"hour": 10, "minute": 53}
